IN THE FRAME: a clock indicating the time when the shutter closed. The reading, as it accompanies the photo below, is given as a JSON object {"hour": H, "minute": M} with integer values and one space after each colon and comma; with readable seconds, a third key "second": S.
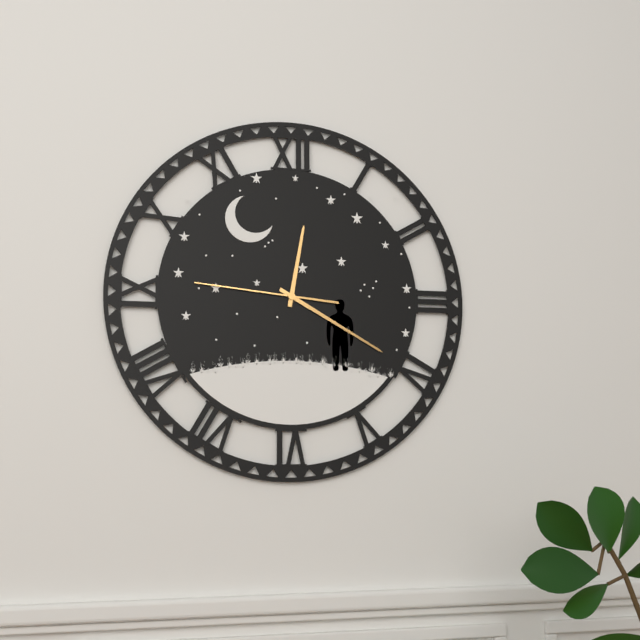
{"hour": 12, "minute": 20, "second": 46}
